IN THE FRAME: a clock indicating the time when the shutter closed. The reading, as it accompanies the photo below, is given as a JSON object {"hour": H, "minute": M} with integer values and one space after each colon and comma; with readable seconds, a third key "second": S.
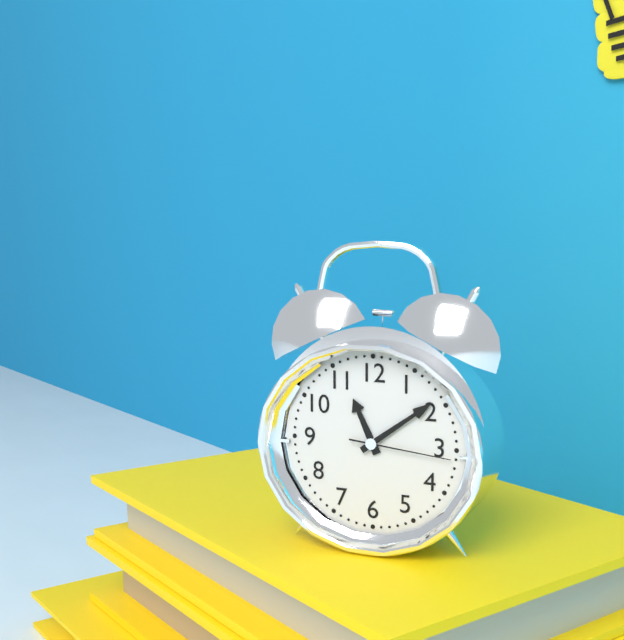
{"hour": 11, "minute": 9, "second": 16}
